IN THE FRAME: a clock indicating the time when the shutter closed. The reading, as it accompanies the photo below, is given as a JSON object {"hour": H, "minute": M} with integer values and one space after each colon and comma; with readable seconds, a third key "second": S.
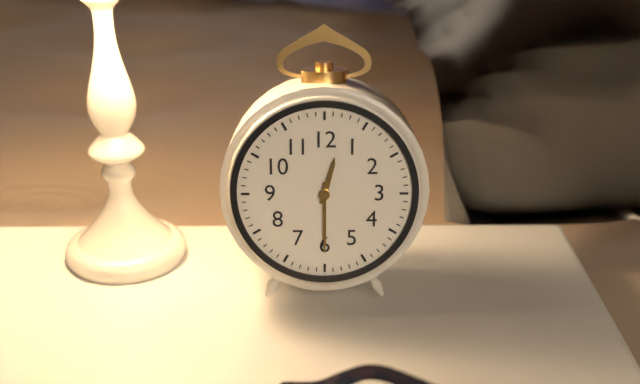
{"hour": 12, "minute": 30}
